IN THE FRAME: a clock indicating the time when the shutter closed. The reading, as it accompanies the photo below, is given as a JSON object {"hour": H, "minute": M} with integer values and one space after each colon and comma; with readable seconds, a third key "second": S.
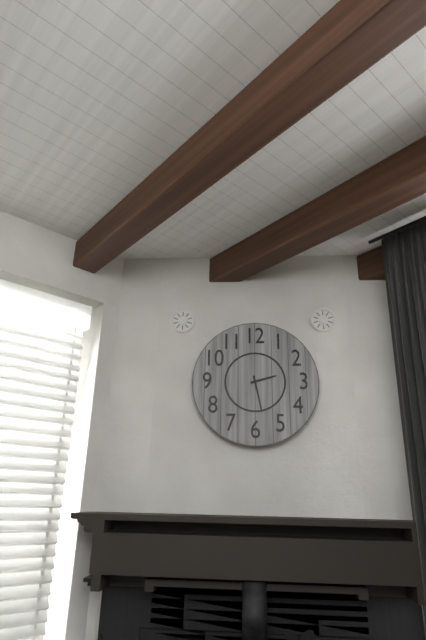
{"hour": 2, "minute": 28}
